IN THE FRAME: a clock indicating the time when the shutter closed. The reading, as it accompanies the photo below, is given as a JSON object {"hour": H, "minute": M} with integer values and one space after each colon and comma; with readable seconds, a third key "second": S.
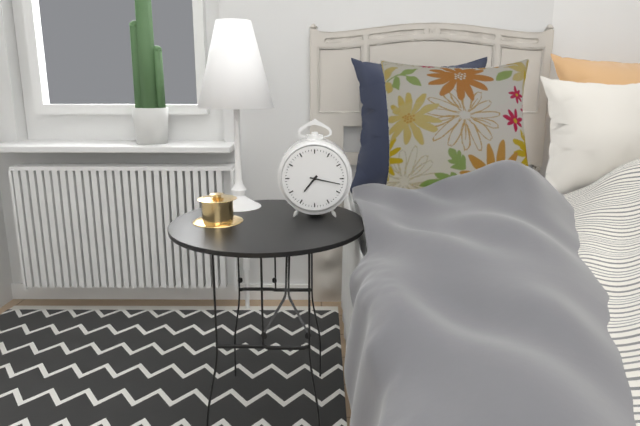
{"hour": 7, "minute": 17}
